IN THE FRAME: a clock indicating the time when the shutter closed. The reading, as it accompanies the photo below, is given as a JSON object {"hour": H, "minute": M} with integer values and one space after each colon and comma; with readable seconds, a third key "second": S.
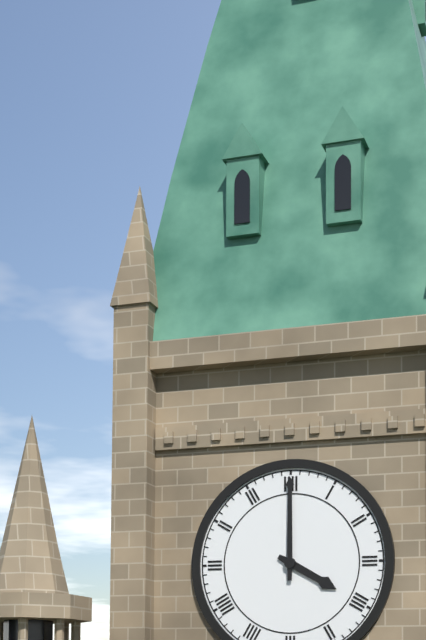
{"hour": 4, "minute": 0}
